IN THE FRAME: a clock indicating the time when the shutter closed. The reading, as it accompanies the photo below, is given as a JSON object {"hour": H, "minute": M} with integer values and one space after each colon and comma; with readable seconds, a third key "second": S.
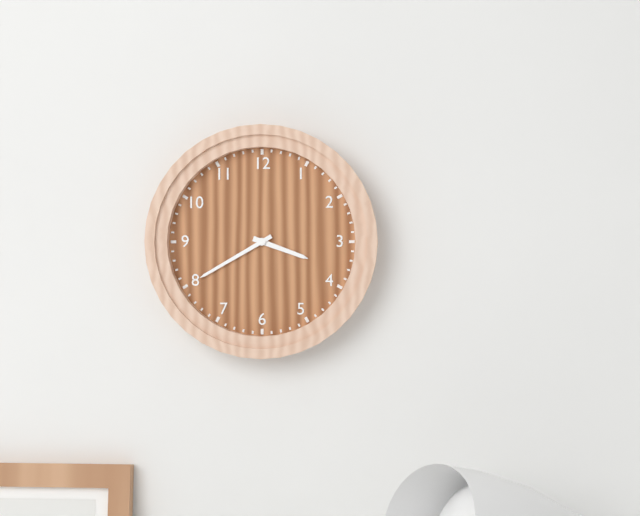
{"hour": 3, "minute": 40}
